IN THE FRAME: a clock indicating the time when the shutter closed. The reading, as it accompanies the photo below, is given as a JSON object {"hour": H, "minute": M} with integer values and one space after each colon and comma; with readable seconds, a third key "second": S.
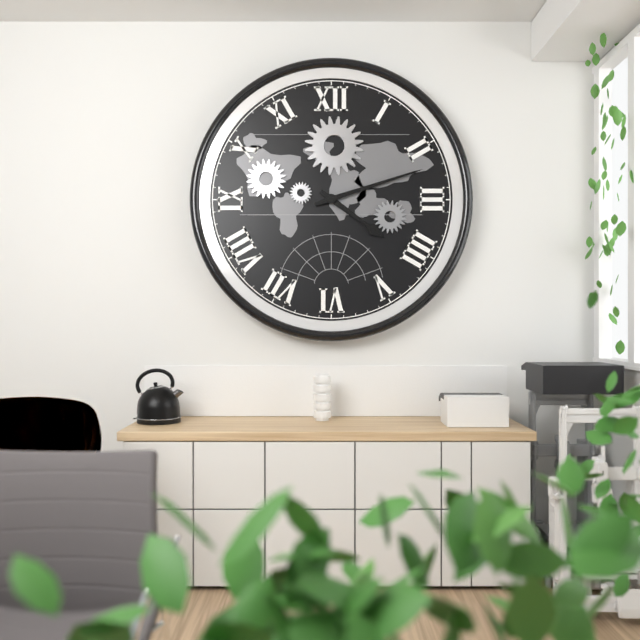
{"hour": 4, "minute": 12}
